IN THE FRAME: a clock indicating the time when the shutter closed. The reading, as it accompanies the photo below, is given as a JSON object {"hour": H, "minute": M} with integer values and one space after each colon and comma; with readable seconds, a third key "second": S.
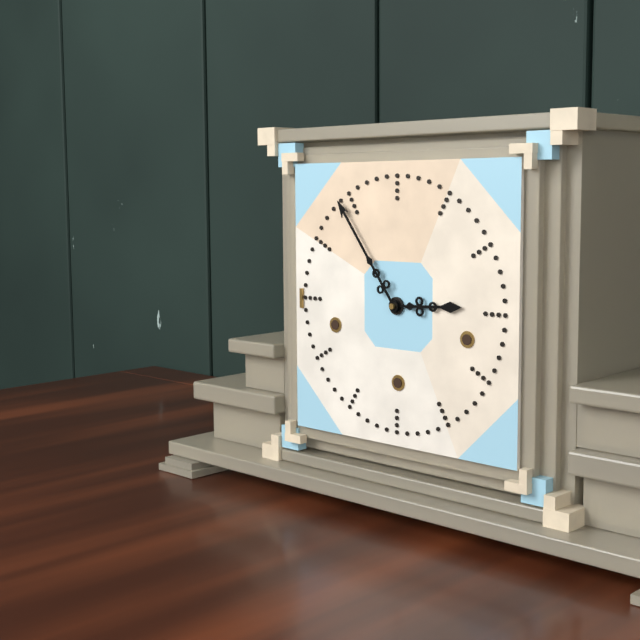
{"hour": 2, "minute": 54}
